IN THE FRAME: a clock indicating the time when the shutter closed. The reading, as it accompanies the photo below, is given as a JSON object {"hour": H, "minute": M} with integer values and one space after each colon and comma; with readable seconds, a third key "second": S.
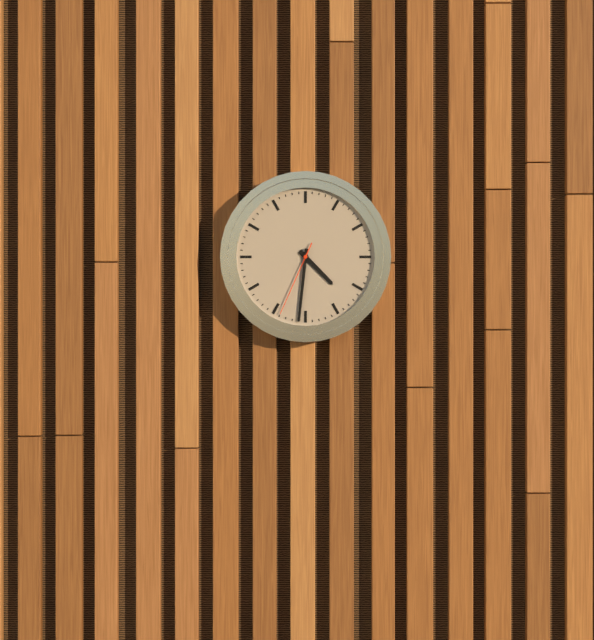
{"hour": 4, "minute": 31, "second": 34}
